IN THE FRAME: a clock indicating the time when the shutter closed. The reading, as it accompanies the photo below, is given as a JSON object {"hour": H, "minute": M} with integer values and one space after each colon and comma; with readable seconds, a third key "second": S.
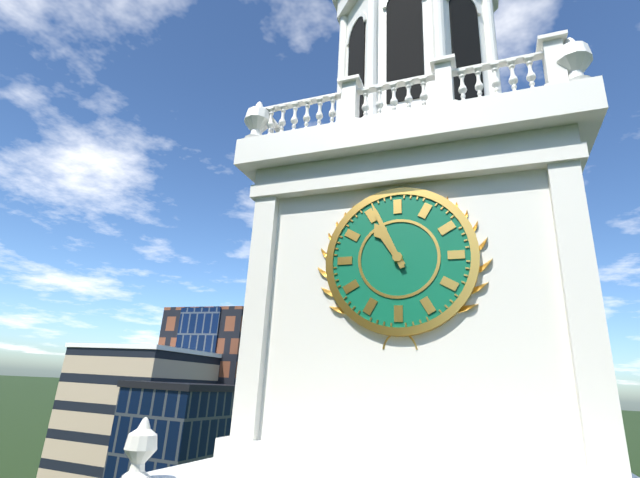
{"hour": 10, "minute": 56}
